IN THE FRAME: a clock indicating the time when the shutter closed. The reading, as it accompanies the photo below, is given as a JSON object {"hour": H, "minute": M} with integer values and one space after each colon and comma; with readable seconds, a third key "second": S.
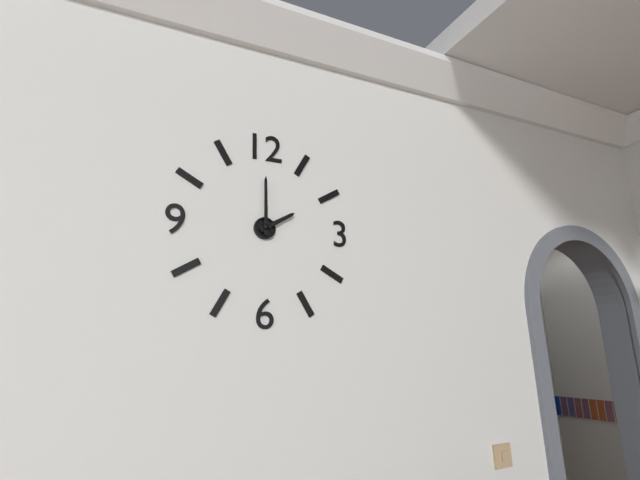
{"hour": 2, "minute": 0}
